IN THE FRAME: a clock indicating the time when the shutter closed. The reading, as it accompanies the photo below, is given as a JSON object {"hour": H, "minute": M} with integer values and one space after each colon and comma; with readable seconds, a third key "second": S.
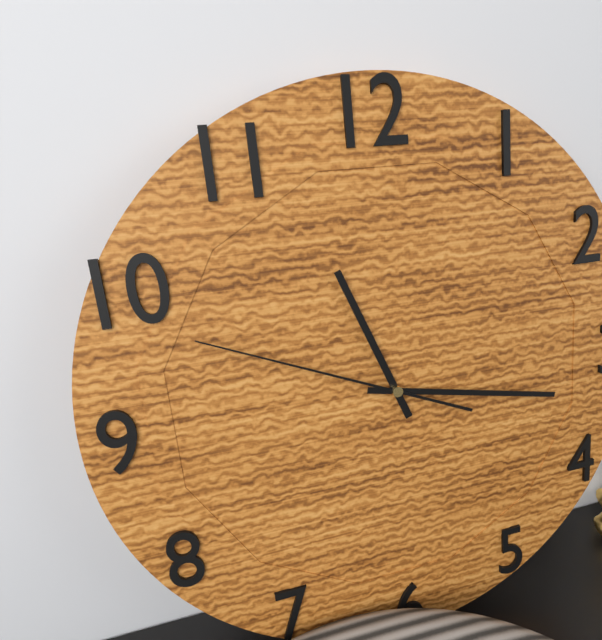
{"hour": 11, "minute": 17, "second": 49}
